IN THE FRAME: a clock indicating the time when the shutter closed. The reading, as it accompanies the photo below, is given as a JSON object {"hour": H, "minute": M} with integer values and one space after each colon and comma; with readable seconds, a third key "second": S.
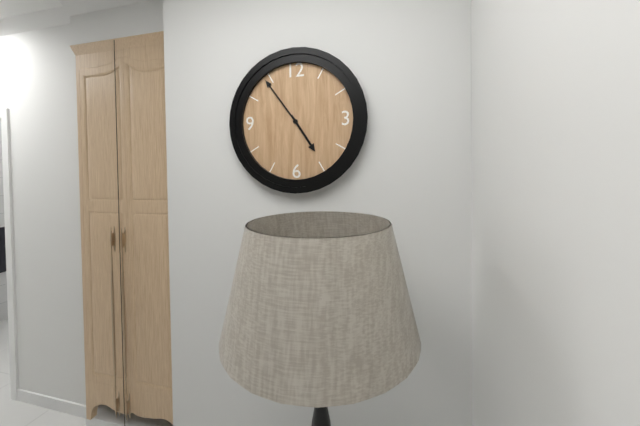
{"hour": 4, "minute": 54}
